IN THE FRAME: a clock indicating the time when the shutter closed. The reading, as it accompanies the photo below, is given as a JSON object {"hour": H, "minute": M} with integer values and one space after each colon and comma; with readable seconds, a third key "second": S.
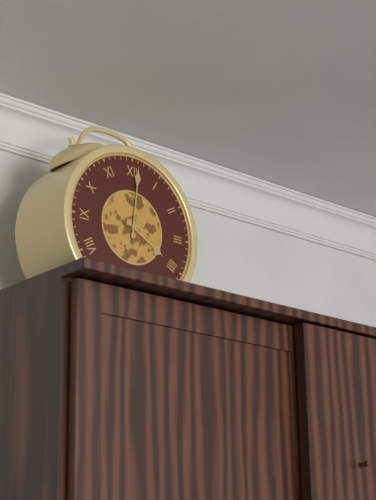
{"hour": 4, "minute": 1}
